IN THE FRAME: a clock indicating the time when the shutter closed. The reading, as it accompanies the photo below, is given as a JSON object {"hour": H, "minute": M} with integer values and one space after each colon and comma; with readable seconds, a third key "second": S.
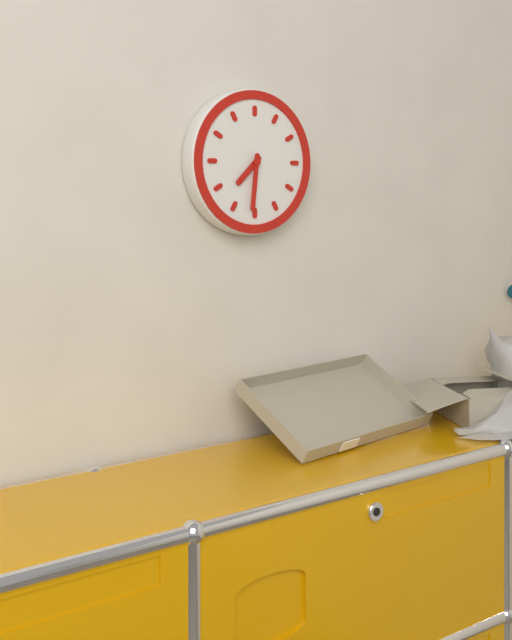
{"hour": 7, "minute": 31}
